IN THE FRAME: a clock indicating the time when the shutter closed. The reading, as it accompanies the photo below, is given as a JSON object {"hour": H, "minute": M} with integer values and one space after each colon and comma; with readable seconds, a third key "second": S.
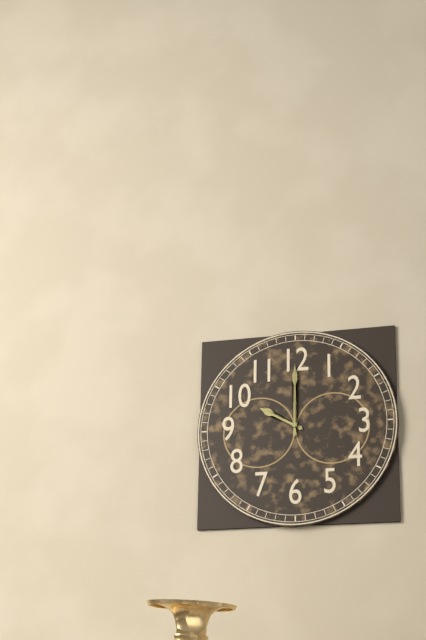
{"hour": 10, "minute": 0}
